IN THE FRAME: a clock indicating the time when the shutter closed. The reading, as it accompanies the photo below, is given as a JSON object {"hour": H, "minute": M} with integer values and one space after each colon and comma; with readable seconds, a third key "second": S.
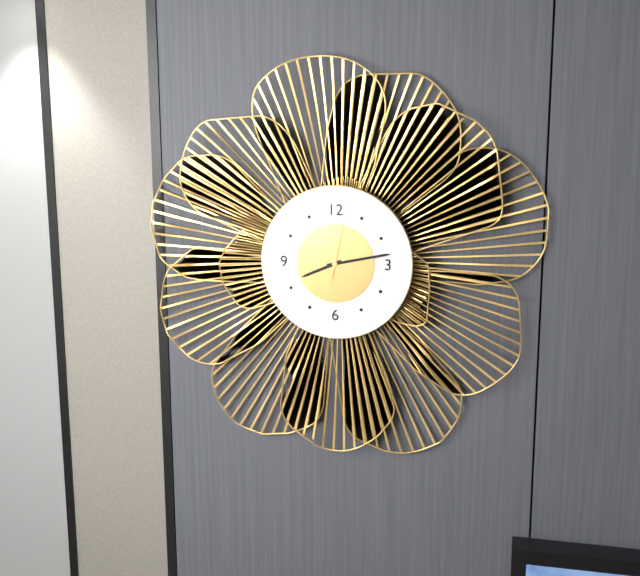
{"hour": 8, "minute": 13, "second": 2}
